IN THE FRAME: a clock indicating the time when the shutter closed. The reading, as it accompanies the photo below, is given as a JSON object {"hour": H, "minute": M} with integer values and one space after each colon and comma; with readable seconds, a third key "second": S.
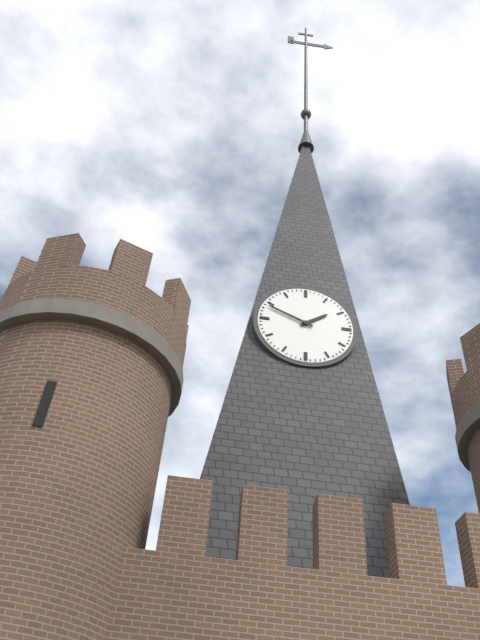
{"hour": 1, "minute": 49}
